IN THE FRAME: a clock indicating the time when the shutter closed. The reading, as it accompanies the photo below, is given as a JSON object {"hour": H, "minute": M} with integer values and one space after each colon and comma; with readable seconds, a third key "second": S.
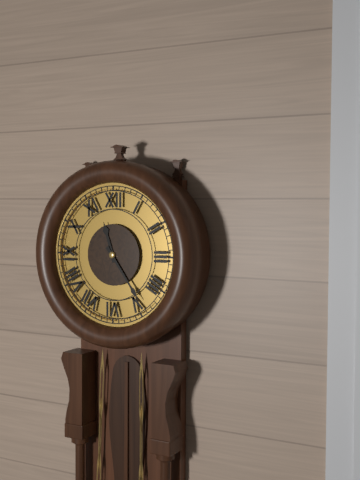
{"hour": 11, "minute": 24}
